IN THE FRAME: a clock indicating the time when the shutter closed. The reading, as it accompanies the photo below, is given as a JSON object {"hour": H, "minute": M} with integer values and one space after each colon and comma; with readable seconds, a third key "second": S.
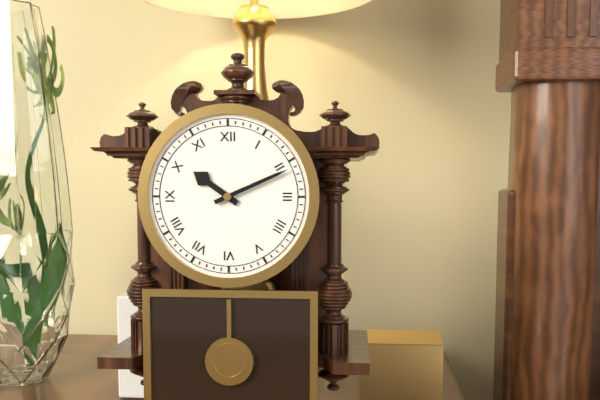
{"hour": 10, "minute": 11}
